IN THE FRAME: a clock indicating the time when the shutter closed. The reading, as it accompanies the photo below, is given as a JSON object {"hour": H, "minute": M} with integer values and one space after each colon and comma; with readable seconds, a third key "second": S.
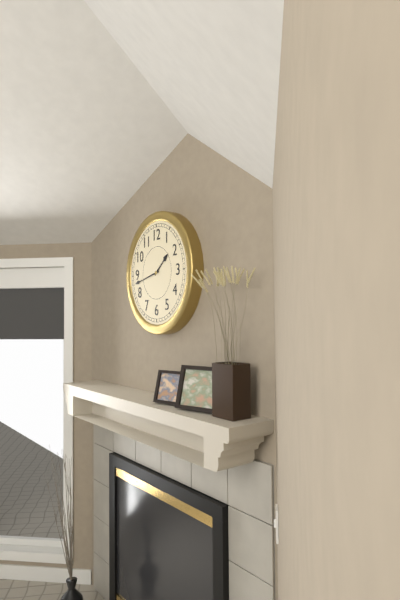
{"hour": 1, "minute": 43}
